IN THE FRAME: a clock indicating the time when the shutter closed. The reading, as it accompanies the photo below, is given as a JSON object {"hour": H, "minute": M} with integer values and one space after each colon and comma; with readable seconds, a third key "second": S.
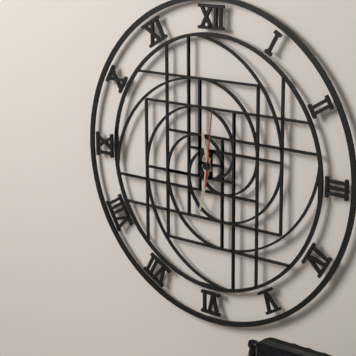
{"hour": 11, "minute": 32, "second": 1}
